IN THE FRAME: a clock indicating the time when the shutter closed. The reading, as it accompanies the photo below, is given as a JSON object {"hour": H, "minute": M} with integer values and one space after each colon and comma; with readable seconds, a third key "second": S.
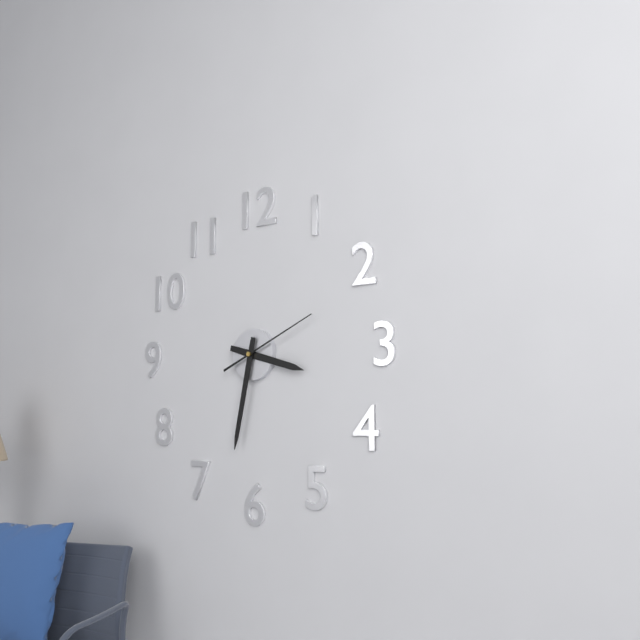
{"hour": 3, "minute": 32, "second": 11}
